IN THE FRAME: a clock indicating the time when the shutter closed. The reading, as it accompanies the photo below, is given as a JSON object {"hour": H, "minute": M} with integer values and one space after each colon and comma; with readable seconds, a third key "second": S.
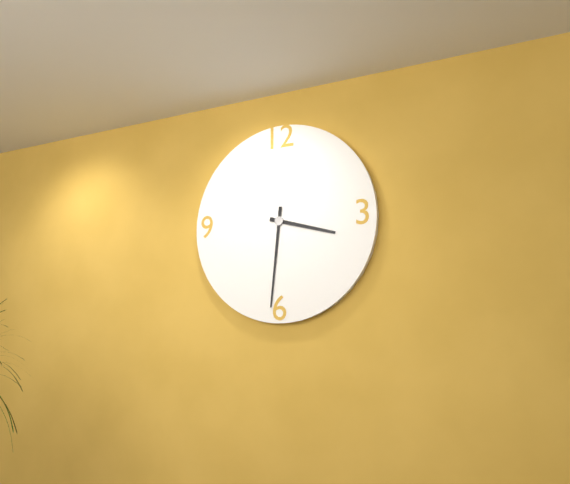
{"hour": 3, "minute": 31}
